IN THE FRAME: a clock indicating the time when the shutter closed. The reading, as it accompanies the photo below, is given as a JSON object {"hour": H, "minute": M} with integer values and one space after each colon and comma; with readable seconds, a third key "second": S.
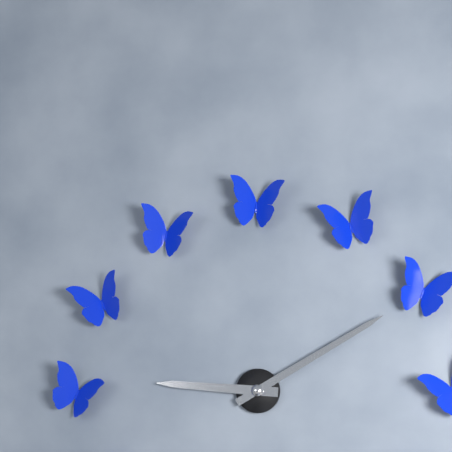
{"hour": 9, "minute": 10}
